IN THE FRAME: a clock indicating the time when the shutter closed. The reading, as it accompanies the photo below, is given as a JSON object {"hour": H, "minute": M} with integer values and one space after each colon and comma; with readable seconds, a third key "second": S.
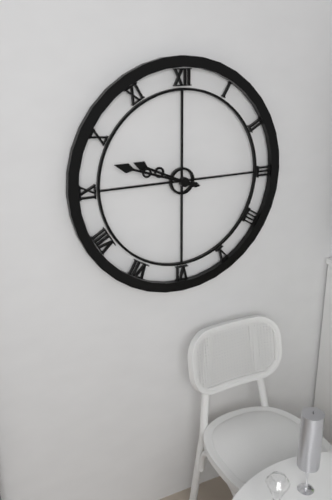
{"hour": 9, "minute": 48}
